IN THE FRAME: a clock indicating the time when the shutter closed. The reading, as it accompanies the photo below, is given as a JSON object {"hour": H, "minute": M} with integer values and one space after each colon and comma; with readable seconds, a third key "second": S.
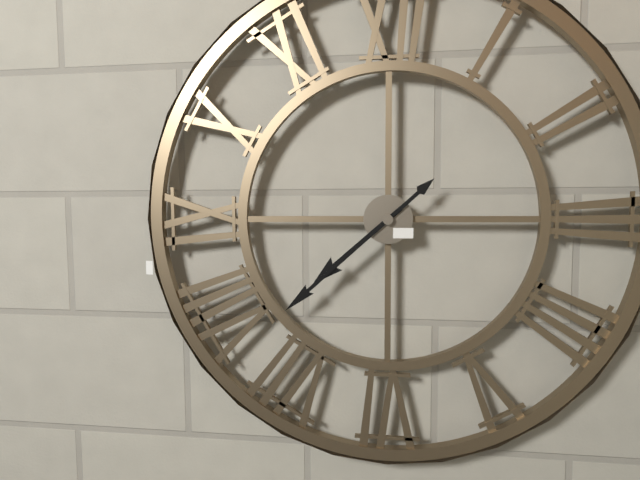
{"hour": 7, "minute": 38}
